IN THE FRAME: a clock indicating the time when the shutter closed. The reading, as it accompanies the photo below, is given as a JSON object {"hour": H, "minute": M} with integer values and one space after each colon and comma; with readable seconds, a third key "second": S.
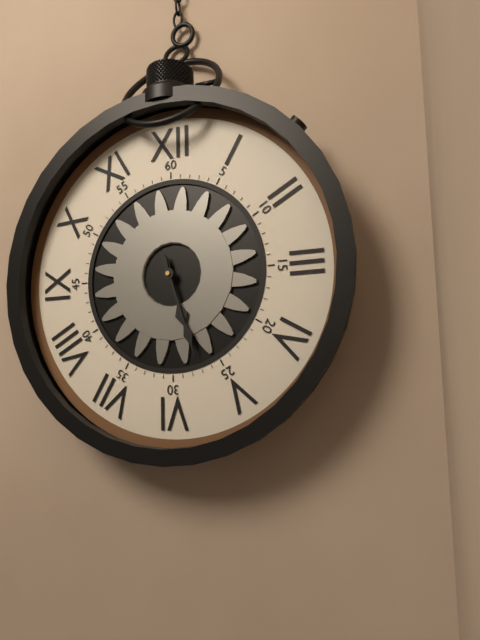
{"hour": 5, "minute": 27}
